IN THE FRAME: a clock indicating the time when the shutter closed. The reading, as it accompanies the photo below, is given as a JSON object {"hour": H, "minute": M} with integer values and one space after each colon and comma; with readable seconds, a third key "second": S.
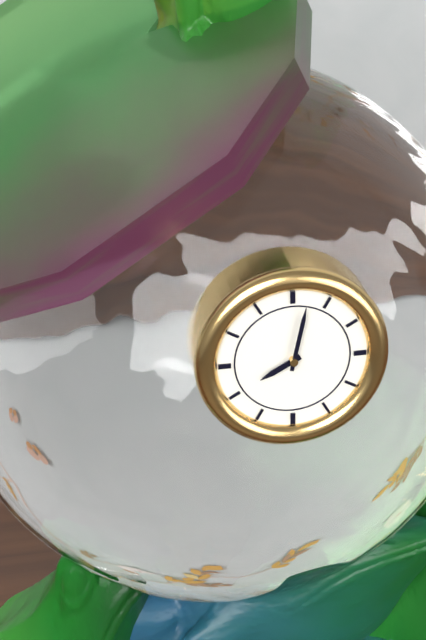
{"hour": 8, "minute": 2}
